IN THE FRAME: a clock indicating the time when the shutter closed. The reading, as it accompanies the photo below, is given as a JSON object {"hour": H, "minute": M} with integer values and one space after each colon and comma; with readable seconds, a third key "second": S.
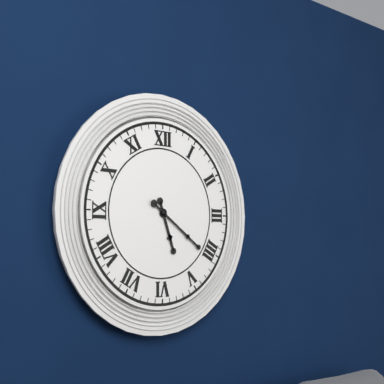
{"hour": 5, "minute": 21}
